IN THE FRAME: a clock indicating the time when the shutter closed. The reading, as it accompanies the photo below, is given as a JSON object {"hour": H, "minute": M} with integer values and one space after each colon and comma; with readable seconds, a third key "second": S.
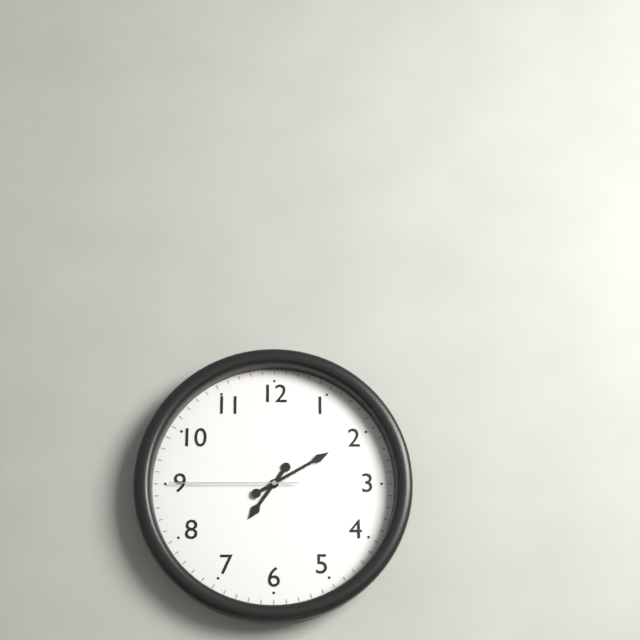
{"hour": 7, "minute": 10, "second": 45}
